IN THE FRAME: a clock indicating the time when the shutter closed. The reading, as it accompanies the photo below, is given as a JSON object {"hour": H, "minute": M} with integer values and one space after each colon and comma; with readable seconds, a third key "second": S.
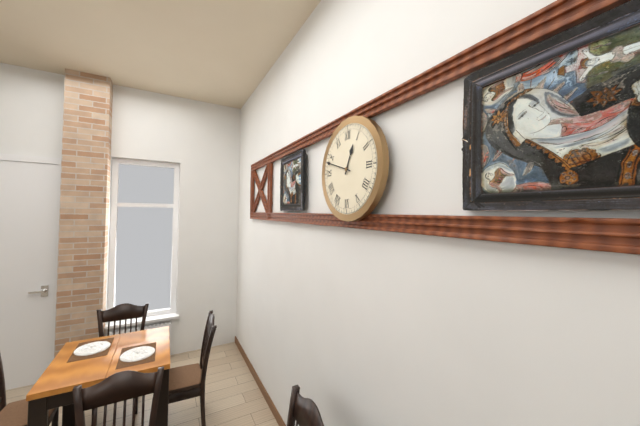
{"hour": 12, "minute": 48}
